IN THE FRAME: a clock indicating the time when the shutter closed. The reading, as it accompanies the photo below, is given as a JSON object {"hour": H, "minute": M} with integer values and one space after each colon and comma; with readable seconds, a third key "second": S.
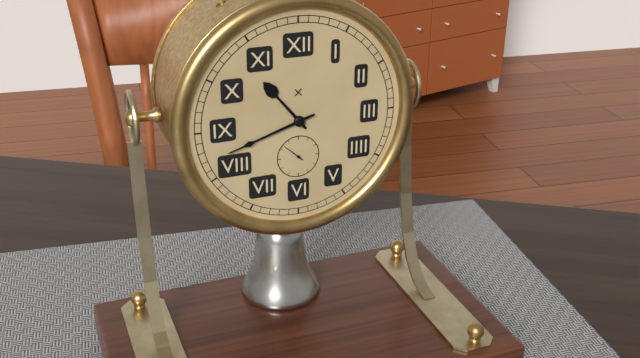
{"hour": 10, "minute": 42}
